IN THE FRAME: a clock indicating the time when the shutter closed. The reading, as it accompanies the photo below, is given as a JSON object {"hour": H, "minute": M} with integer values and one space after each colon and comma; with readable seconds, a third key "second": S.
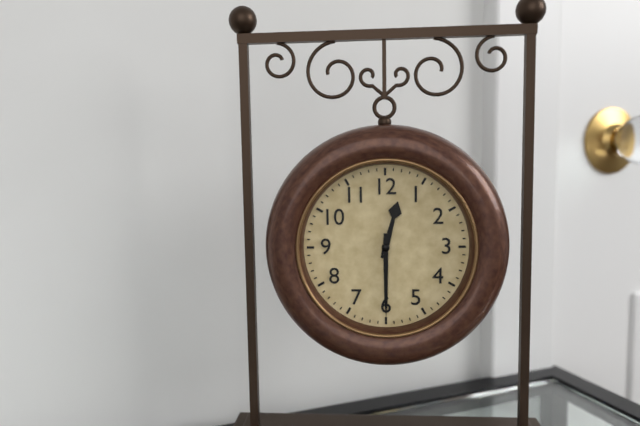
{"hour": 12, "minute": 30}
